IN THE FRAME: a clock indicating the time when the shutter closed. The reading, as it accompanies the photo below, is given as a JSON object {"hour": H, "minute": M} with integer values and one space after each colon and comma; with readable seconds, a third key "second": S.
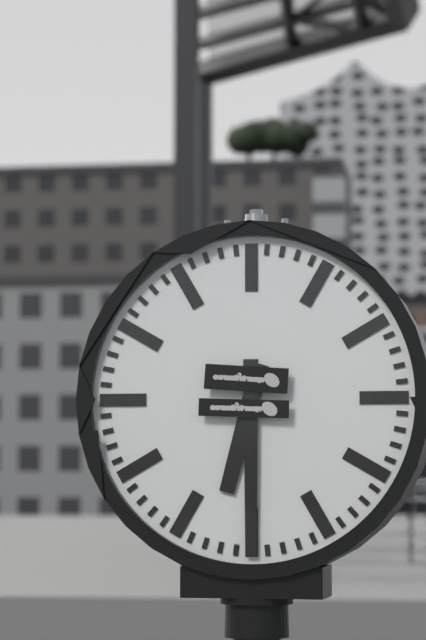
{"hour": 6, "minute": 30}
